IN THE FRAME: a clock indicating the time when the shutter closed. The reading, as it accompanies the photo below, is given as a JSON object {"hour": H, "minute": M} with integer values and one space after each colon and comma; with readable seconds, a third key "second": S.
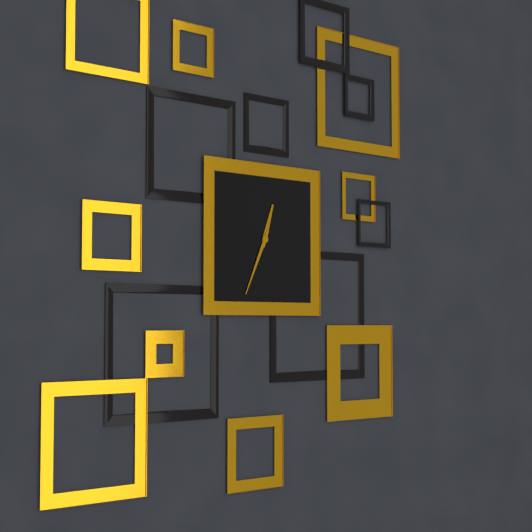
{"hour": 12, "minute": 34}
